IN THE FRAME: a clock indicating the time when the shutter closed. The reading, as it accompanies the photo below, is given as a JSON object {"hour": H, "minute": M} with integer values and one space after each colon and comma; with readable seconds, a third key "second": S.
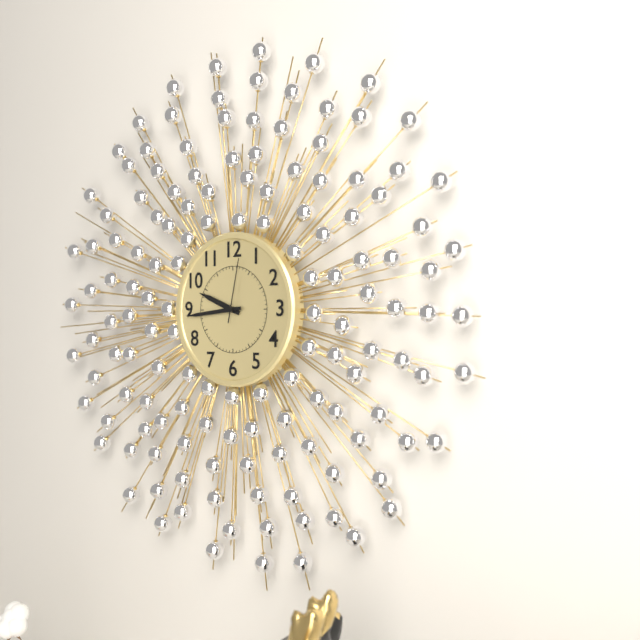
{"hour": 9, "minute": 44, "second": 2}
